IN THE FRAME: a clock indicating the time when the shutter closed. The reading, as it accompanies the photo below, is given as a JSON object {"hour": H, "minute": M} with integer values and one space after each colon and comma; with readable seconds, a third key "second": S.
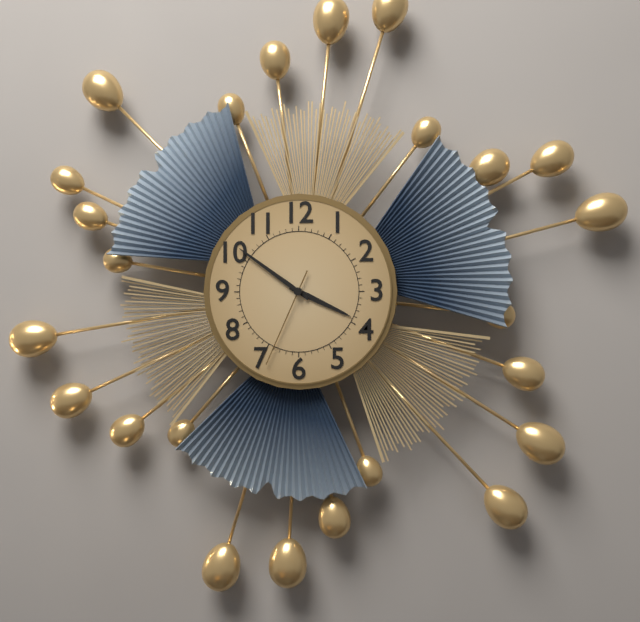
{"hour": 3, "minute": 51, "second": 34}
